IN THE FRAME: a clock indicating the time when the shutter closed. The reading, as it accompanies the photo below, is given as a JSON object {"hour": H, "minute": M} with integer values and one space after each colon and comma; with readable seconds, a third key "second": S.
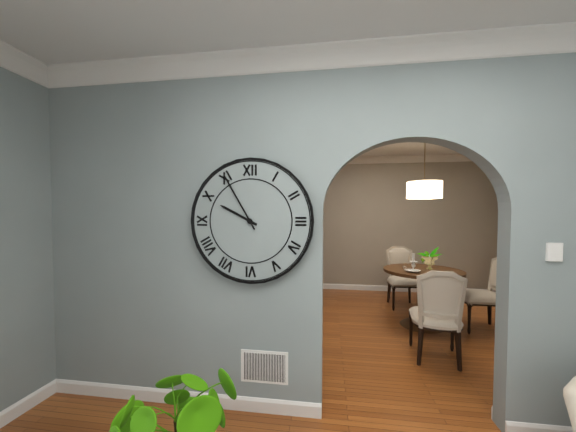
{"hour": 9, "minute": 55}
